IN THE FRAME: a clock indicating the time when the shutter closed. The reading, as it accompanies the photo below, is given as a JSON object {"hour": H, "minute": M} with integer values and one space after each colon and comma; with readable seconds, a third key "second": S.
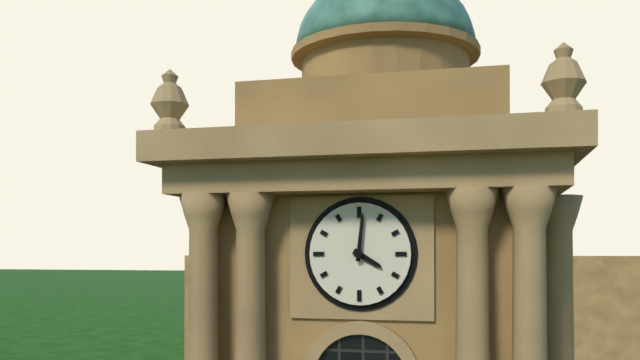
{"hour": 4, "minute": 1}
